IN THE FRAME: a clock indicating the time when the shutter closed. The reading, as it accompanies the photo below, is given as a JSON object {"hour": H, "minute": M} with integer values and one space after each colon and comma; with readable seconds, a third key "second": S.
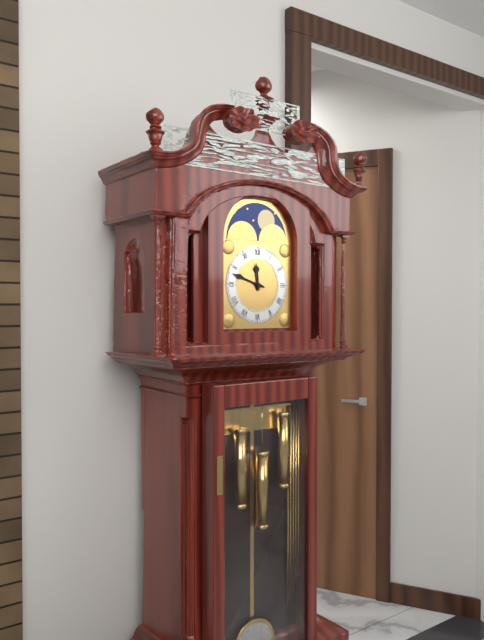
{"hour": 11, "minute": 48}
